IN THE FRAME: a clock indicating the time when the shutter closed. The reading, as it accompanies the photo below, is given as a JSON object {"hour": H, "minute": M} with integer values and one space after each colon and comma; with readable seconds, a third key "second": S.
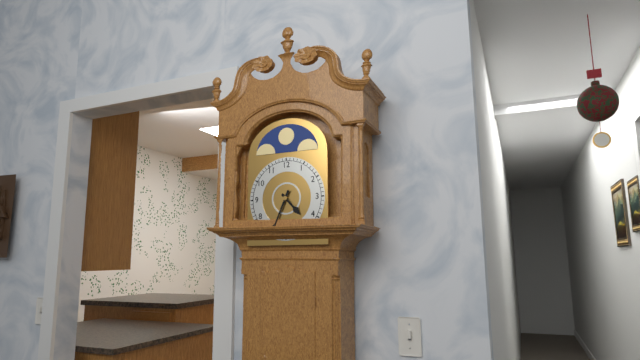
{"hour": 4, "minute": 34}
